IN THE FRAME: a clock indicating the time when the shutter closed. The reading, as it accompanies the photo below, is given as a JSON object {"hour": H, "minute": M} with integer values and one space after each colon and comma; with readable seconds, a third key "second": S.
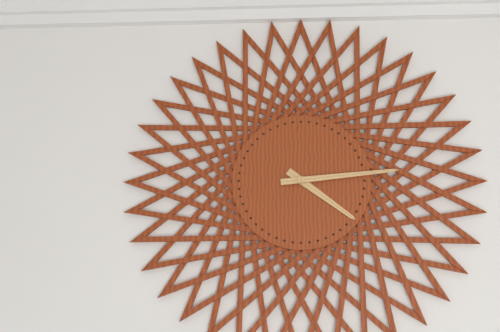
{"hour": 4, "minute": 14}
